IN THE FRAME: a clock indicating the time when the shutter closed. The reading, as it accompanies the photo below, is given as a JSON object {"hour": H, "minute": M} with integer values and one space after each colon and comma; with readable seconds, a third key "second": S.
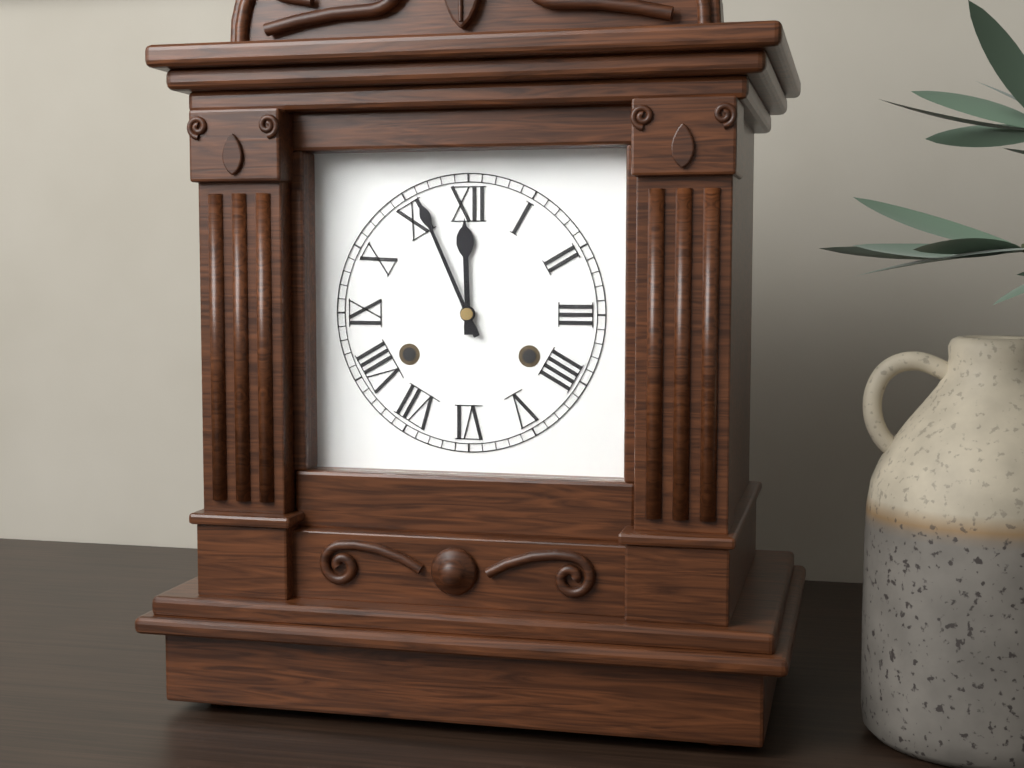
{"hour": 11, "minute": 56}
